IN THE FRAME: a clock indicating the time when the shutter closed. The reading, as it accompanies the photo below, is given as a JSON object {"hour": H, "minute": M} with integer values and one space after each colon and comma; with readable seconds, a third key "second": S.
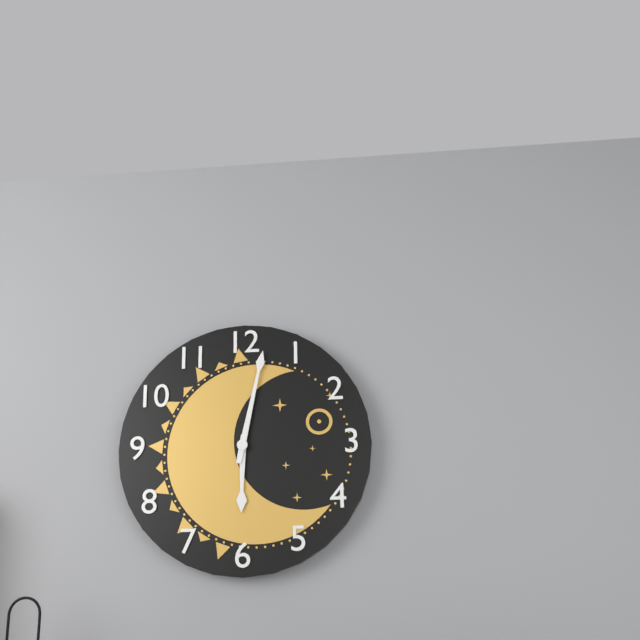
{"hour": 6, "minute": 2}
